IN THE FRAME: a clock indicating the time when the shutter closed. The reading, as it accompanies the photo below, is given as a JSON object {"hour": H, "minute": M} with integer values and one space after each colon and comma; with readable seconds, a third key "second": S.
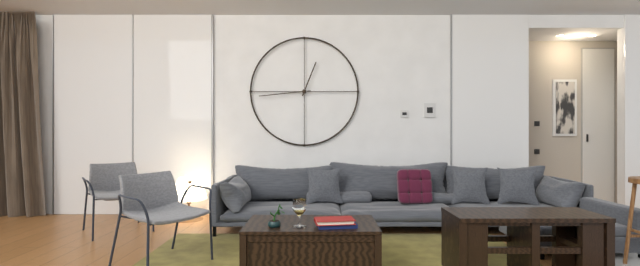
{"hour": 12, "minute": 44}
